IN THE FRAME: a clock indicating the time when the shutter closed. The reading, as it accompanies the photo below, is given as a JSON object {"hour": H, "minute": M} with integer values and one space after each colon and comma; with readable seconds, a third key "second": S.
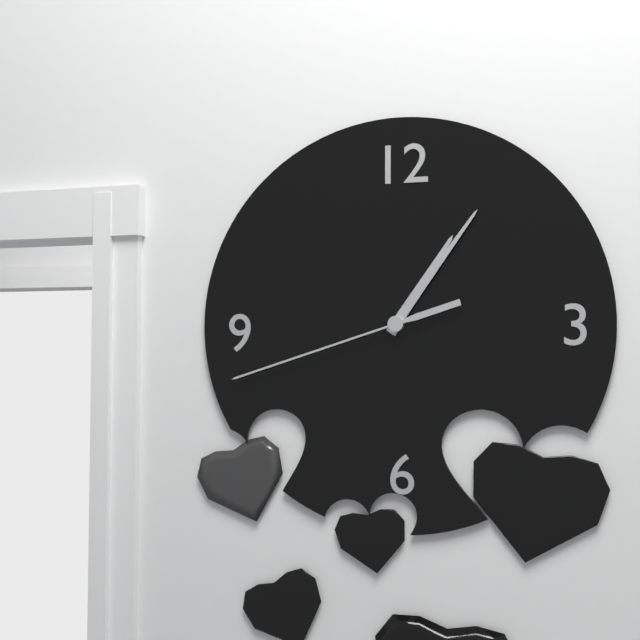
{"hour": 1, "minute": 6, "second": 42}
